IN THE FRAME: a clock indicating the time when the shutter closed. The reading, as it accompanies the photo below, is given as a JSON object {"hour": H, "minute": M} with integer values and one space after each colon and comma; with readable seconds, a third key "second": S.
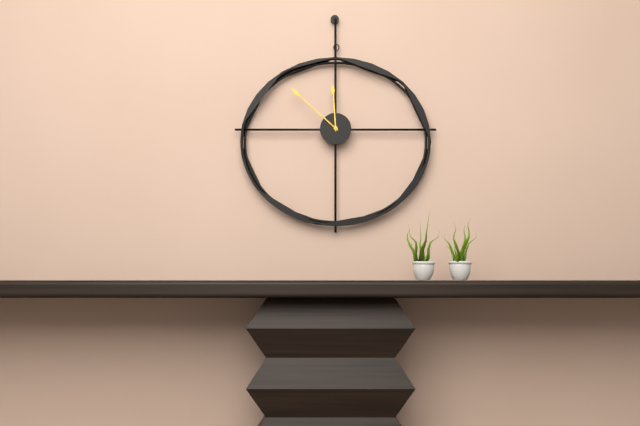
{"hour": 11, "minute": 52}
